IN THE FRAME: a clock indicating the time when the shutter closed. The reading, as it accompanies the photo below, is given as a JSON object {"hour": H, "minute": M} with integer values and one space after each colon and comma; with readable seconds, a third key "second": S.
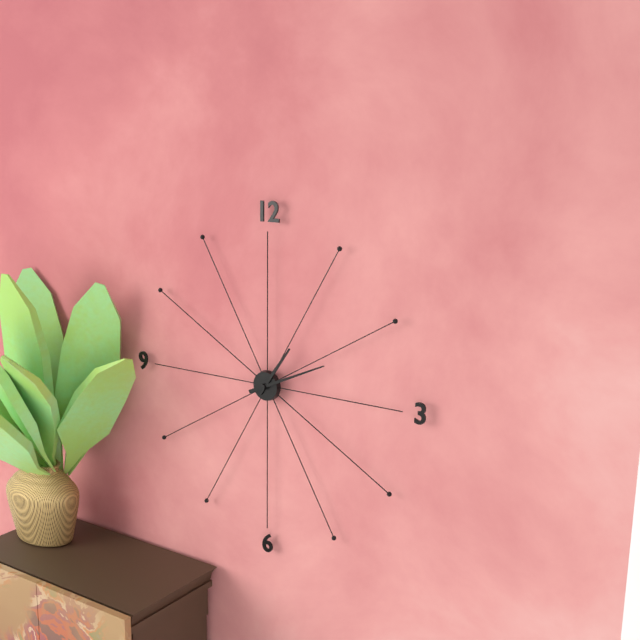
{"hour": 1, "minute": 11}
